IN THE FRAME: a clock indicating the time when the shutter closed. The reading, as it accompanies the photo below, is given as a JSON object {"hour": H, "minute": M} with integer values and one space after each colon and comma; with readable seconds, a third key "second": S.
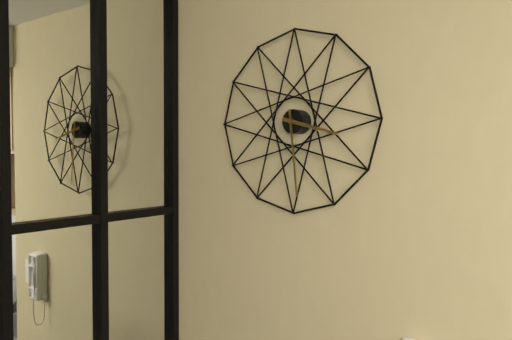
{"hour": 3, "minute": 29}
